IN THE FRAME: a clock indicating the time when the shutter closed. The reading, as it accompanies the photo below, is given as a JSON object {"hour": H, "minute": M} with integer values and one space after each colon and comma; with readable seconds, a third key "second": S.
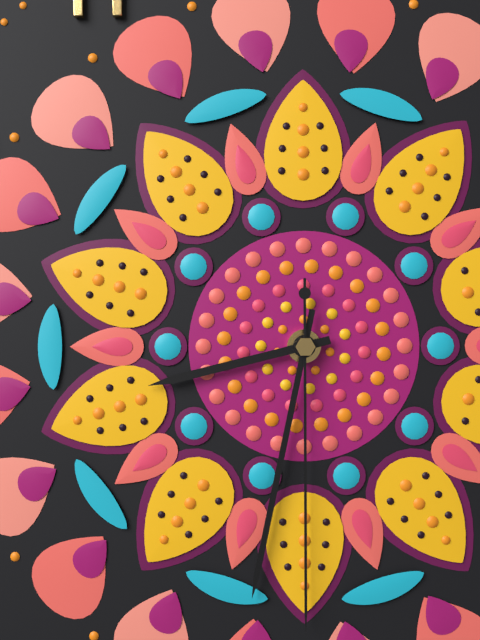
{"hour": 8, "minute": 32, "second": 30}
